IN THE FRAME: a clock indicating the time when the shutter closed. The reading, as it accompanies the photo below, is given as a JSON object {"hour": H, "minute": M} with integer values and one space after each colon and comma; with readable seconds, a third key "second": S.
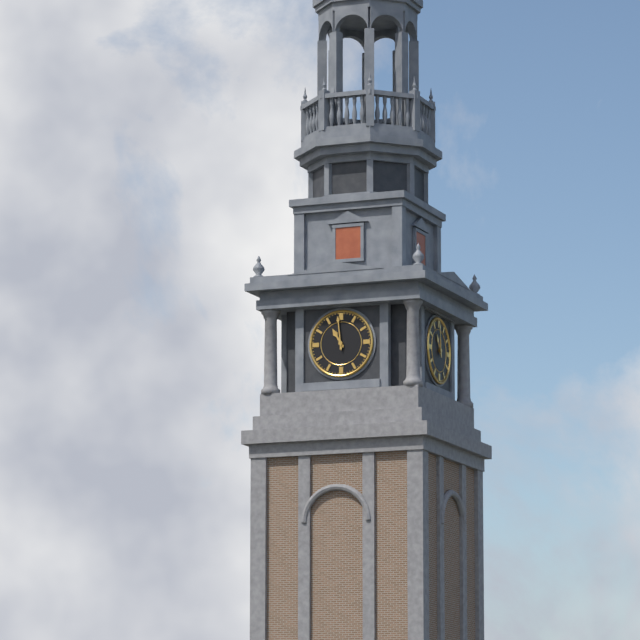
{"hour": 10, "minute": 59}
